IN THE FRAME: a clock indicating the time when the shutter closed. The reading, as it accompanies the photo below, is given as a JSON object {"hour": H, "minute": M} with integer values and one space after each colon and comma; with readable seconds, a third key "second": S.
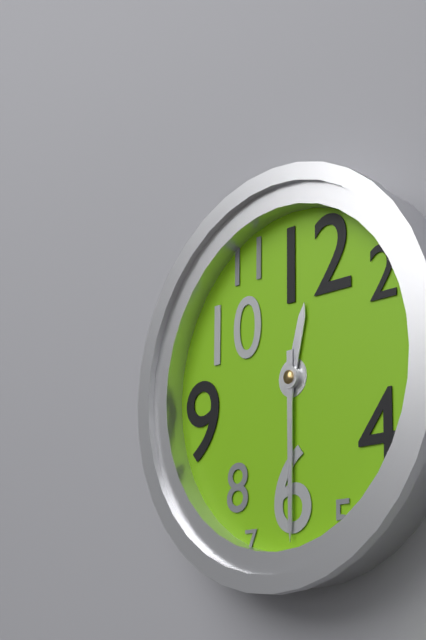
{"hour": 12, "minute": 30}
